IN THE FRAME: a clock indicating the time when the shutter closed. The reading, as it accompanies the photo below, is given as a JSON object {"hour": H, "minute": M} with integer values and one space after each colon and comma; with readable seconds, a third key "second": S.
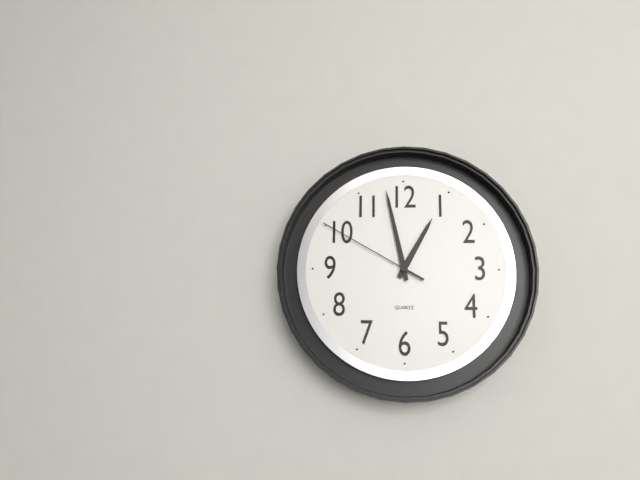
{"hour": 12, "minute": 58, "second": 50}
